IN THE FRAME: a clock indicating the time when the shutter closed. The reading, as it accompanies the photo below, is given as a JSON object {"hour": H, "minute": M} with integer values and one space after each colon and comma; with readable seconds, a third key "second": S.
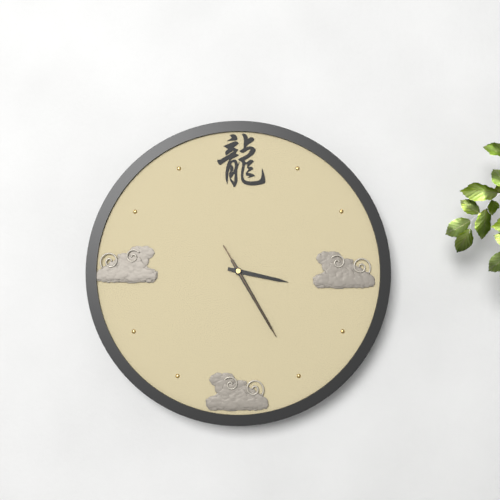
{"hour": 3, "minute": 25, "second": 25}
